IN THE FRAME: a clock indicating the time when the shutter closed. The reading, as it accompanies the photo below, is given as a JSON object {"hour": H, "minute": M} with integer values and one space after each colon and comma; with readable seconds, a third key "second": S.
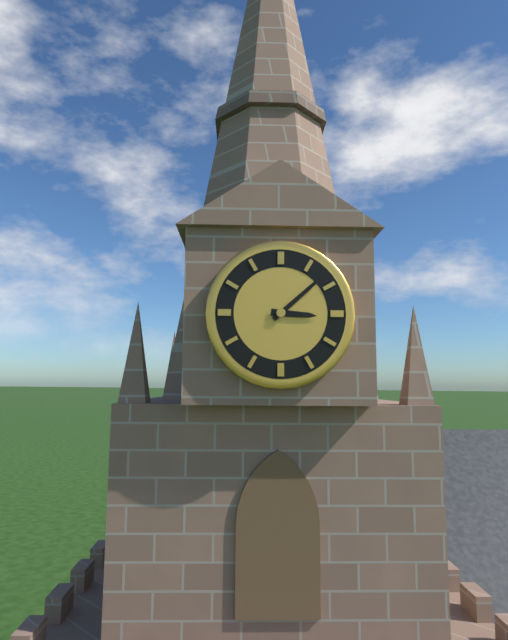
{"hour": 3, "minute": 8}
